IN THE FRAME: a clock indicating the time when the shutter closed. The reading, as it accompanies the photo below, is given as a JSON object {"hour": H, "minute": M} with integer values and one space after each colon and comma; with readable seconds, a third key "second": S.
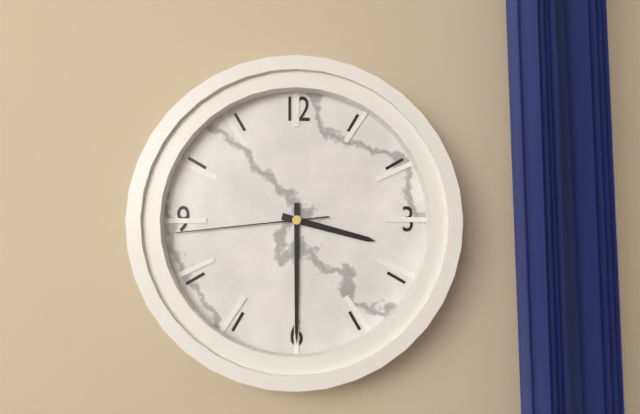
{"hour": 3, "minute": 30, "second": 44}
